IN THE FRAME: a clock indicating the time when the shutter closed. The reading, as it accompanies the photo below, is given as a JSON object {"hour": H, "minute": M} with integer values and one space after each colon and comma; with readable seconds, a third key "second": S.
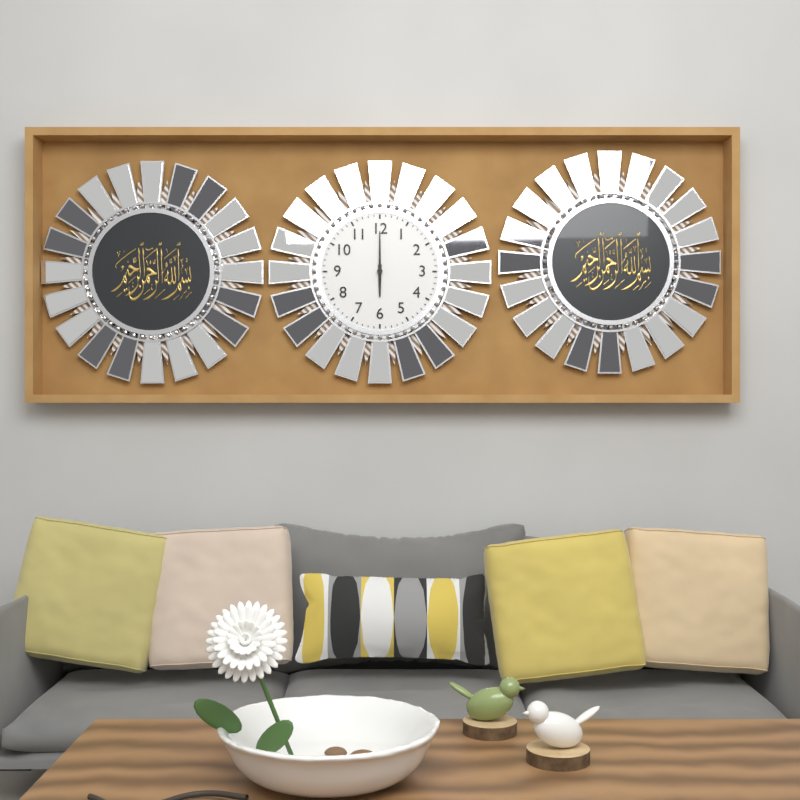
{"hour": 6, "minute": 0}
